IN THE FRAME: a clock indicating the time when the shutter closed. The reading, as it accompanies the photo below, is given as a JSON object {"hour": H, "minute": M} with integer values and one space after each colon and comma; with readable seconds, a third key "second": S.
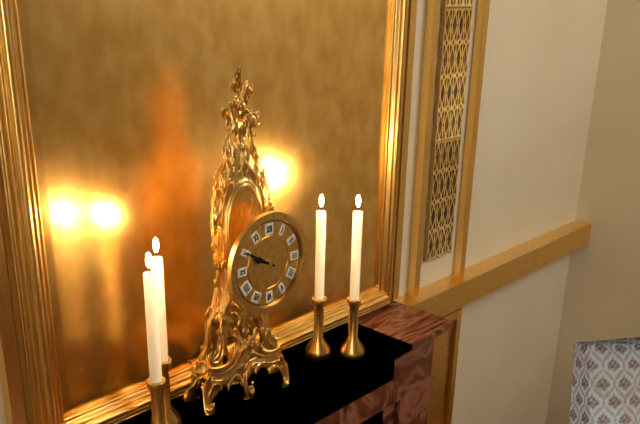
{"hour": 9, "minute": 50}
